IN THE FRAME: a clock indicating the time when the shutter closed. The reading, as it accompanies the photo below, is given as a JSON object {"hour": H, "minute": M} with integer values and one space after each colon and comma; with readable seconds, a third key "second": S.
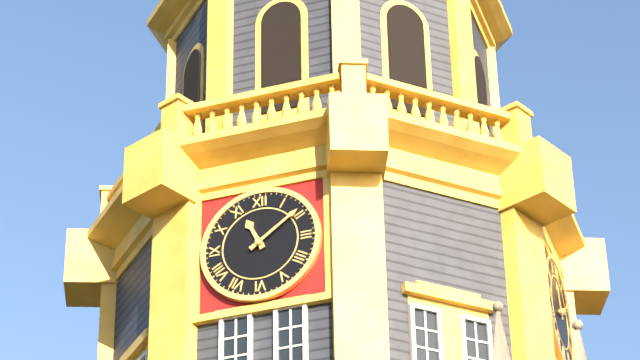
{"hour": 11, "minute": 9}
